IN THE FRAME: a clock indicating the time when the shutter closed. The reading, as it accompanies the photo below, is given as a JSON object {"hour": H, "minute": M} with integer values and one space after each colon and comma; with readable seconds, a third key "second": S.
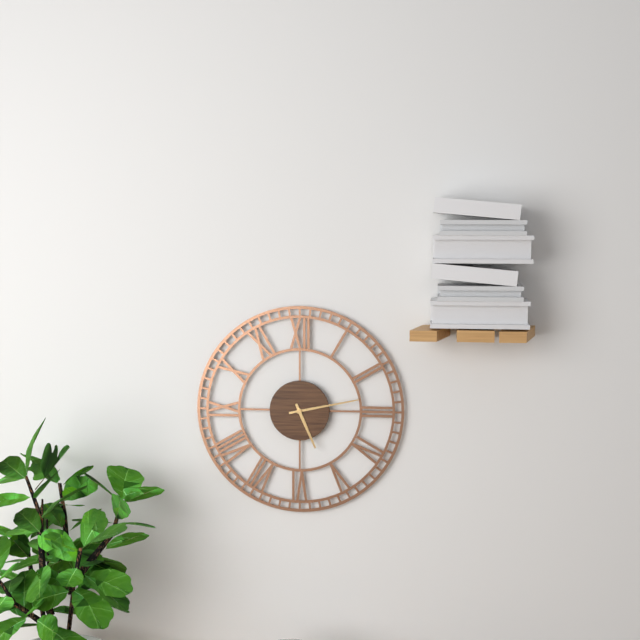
{"hour": 5, "minute": 13}
